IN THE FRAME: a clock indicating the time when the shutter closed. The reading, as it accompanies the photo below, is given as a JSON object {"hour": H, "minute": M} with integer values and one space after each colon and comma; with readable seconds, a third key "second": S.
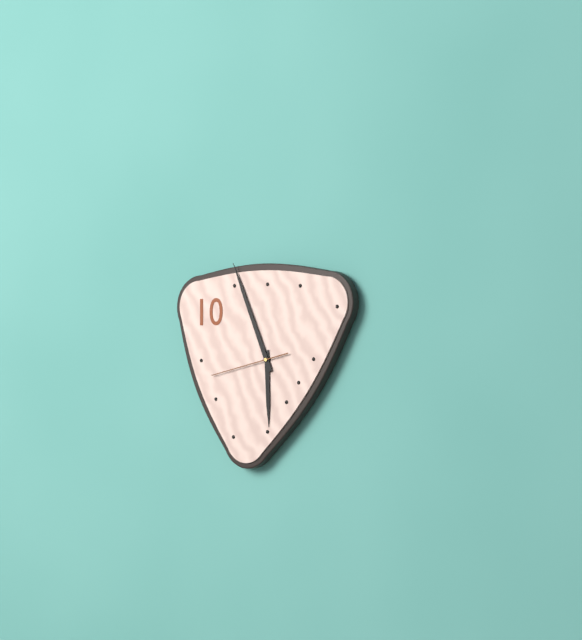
{"hour": 5, "minute": 56, "second": 43}
